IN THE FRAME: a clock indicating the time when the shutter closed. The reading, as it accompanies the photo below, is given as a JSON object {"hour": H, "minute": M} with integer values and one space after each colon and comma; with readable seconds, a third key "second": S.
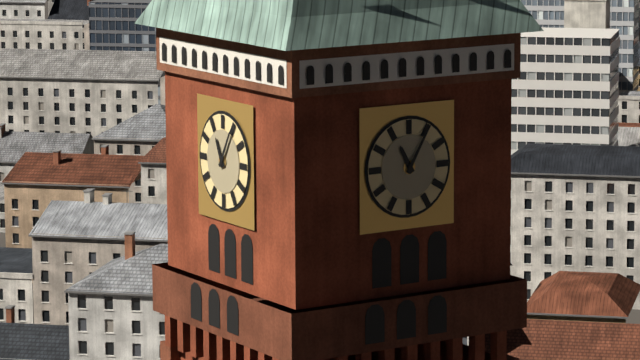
{"hour": 11, "minute": 5}
